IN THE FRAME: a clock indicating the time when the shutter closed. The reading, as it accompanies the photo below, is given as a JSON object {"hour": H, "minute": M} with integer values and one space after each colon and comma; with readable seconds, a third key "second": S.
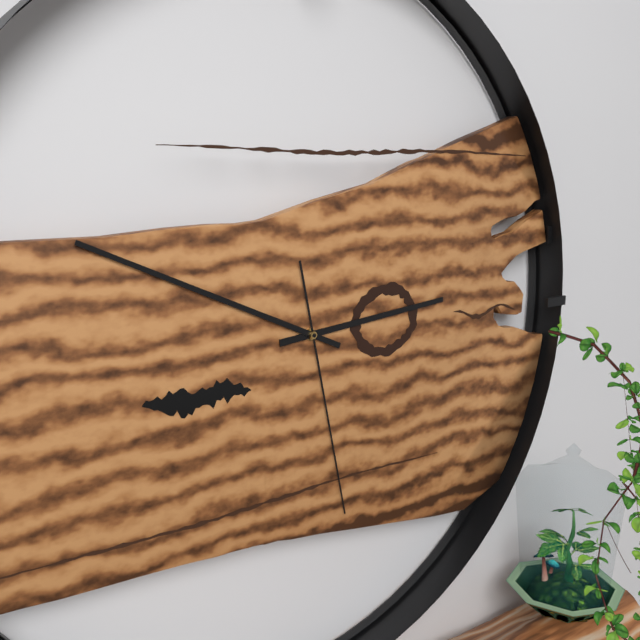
{"hour": 2, "minute": 49, "second": 28}
